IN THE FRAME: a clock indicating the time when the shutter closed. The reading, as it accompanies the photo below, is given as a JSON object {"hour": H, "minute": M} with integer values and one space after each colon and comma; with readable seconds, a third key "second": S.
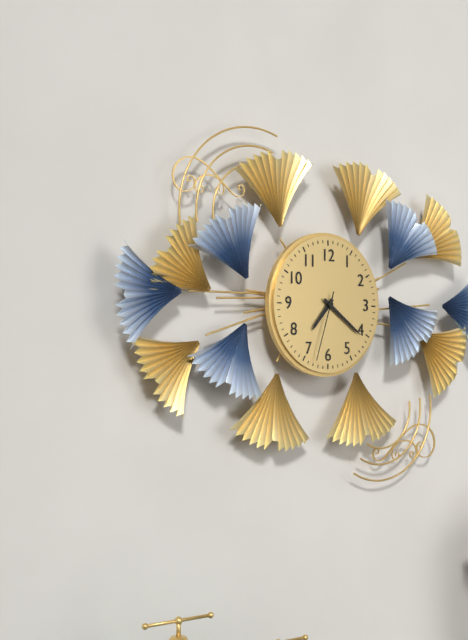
{"hour": 7, "minute": 21, "second": 33}
